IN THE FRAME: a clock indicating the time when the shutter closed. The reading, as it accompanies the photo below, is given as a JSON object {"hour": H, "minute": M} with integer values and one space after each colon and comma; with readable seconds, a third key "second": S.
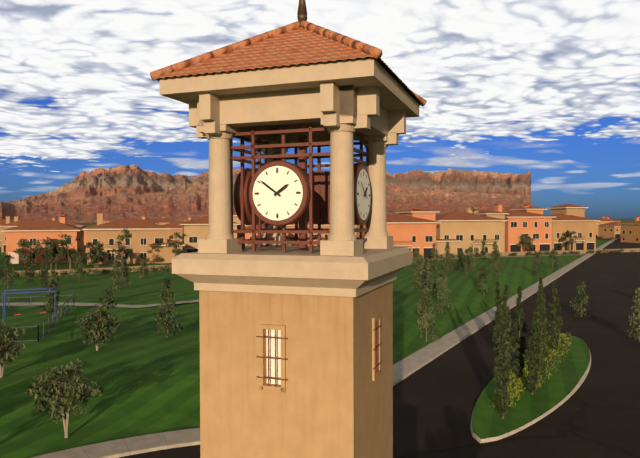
{"hour": 1, "minute": 51}
